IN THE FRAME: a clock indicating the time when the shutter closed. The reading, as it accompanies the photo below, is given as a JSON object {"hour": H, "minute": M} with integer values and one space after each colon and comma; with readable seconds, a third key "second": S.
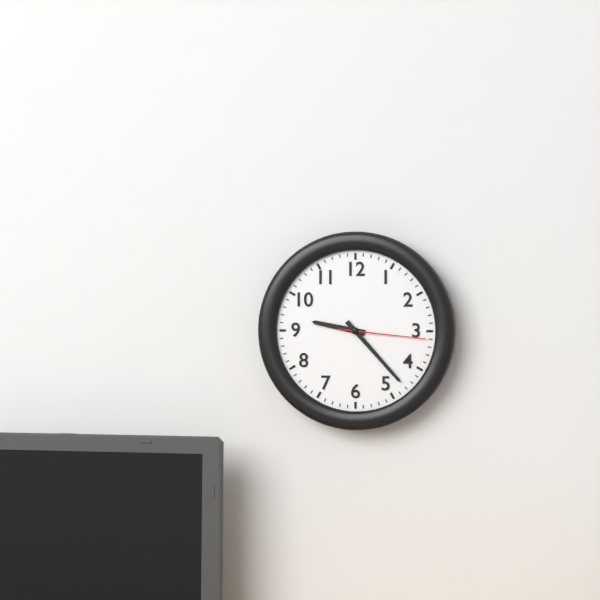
{"hour": 9, "minute": 23, "second": 16}
